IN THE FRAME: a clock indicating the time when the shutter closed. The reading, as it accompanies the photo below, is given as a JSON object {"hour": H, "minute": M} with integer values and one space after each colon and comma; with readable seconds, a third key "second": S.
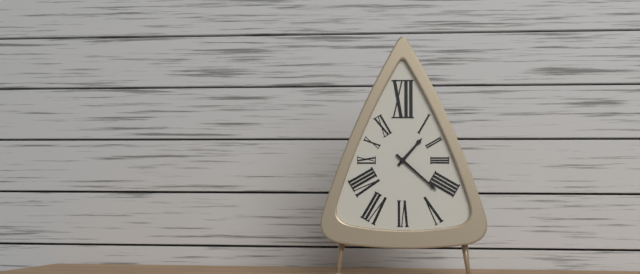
{"hour": 1, "minute": 22}
